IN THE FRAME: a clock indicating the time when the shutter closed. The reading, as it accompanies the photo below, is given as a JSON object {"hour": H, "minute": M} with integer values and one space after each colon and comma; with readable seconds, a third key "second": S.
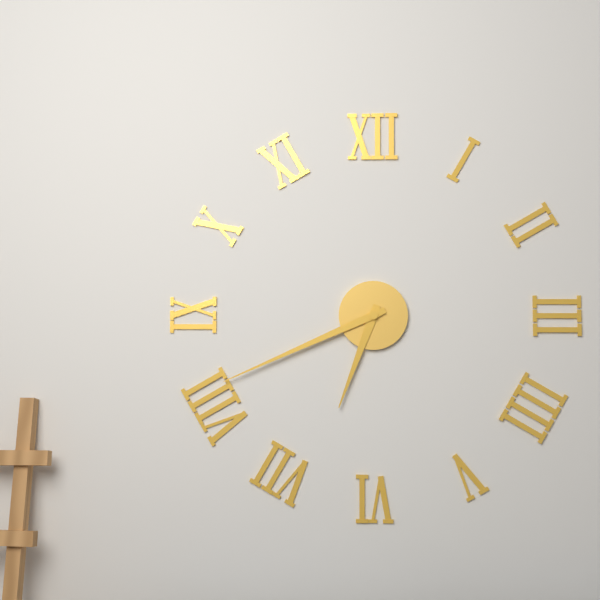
{"hour": 6, "minute": 41}
